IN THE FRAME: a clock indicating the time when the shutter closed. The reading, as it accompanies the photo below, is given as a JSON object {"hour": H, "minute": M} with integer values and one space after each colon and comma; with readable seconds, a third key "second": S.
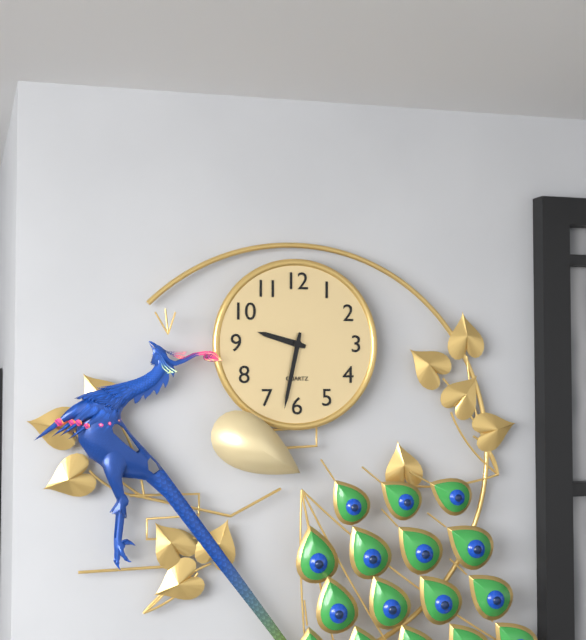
{"hour": 9, "minute": 32}
